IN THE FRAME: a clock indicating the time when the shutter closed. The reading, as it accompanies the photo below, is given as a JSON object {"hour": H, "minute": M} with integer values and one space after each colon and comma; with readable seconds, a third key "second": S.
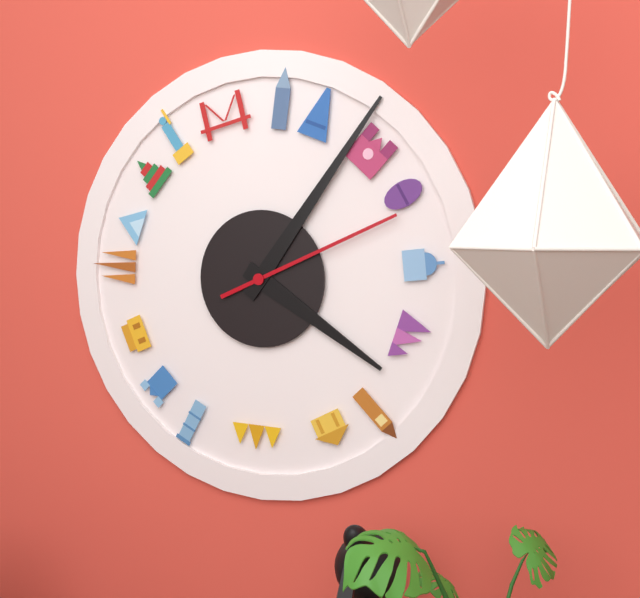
{"hour": 4, "minute": 6, "second": 11}
